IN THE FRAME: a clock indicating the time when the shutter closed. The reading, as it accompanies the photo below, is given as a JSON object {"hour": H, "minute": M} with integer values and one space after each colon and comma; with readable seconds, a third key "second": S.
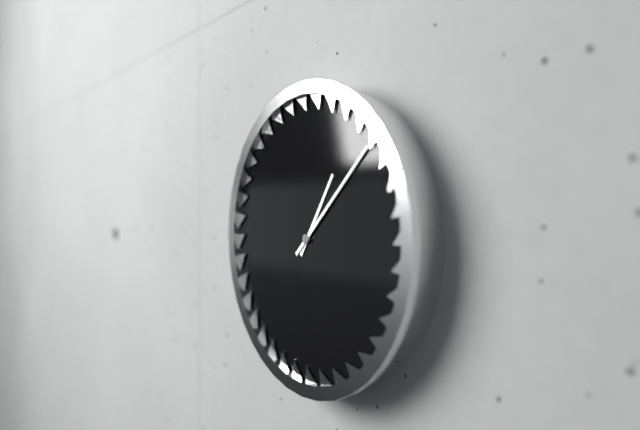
{"hour": 1, "minute": 8}
